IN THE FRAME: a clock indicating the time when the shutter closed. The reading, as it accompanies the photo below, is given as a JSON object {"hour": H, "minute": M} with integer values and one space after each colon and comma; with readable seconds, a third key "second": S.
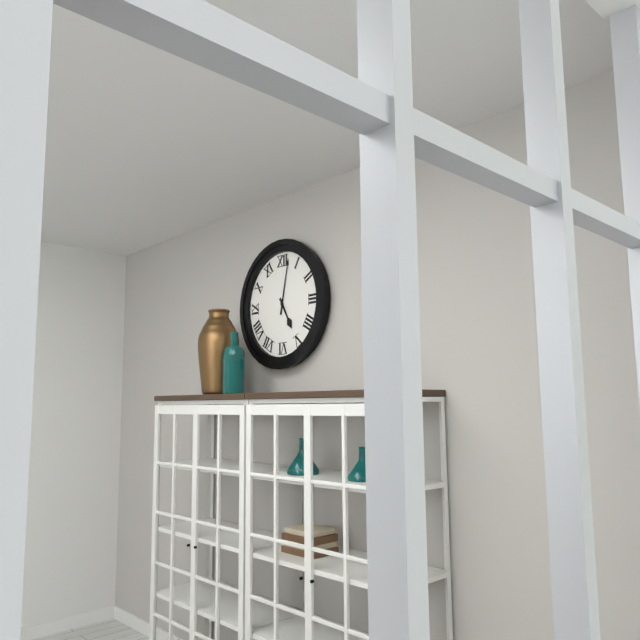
{"hour": 5, "minute": 2}
